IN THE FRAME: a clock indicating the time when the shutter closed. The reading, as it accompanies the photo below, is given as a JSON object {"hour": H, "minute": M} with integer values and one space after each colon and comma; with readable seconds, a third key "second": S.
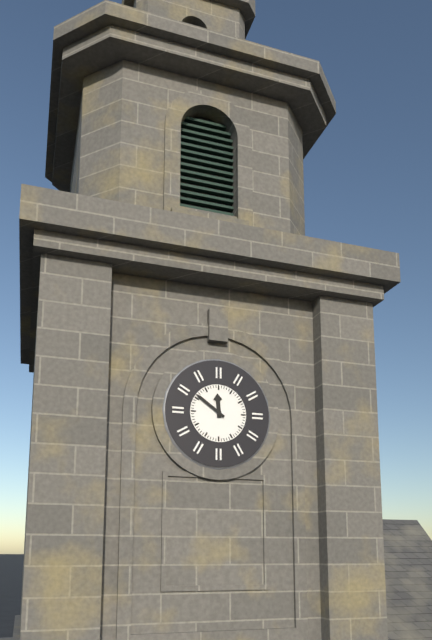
{"hour": 11, "minute": 51}
